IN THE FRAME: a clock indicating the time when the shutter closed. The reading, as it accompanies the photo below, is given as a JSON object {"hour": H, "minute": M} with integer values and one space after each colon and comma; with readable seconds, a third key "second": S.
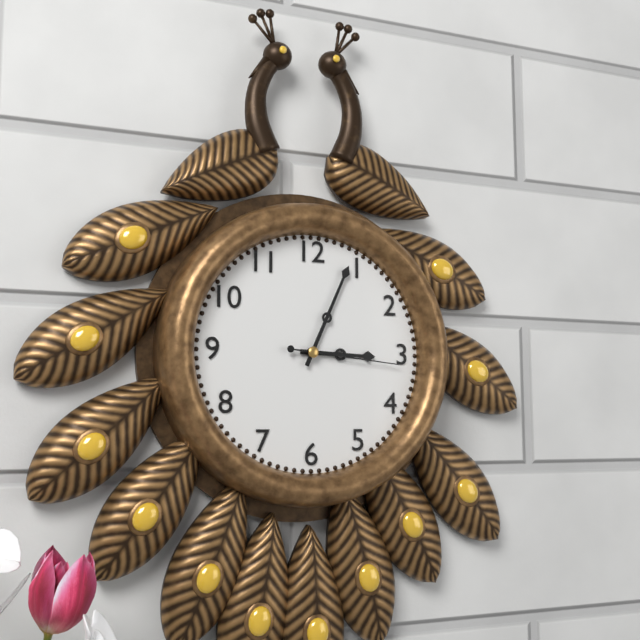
{"hour": 3, "minute": 4, "second": 16}
